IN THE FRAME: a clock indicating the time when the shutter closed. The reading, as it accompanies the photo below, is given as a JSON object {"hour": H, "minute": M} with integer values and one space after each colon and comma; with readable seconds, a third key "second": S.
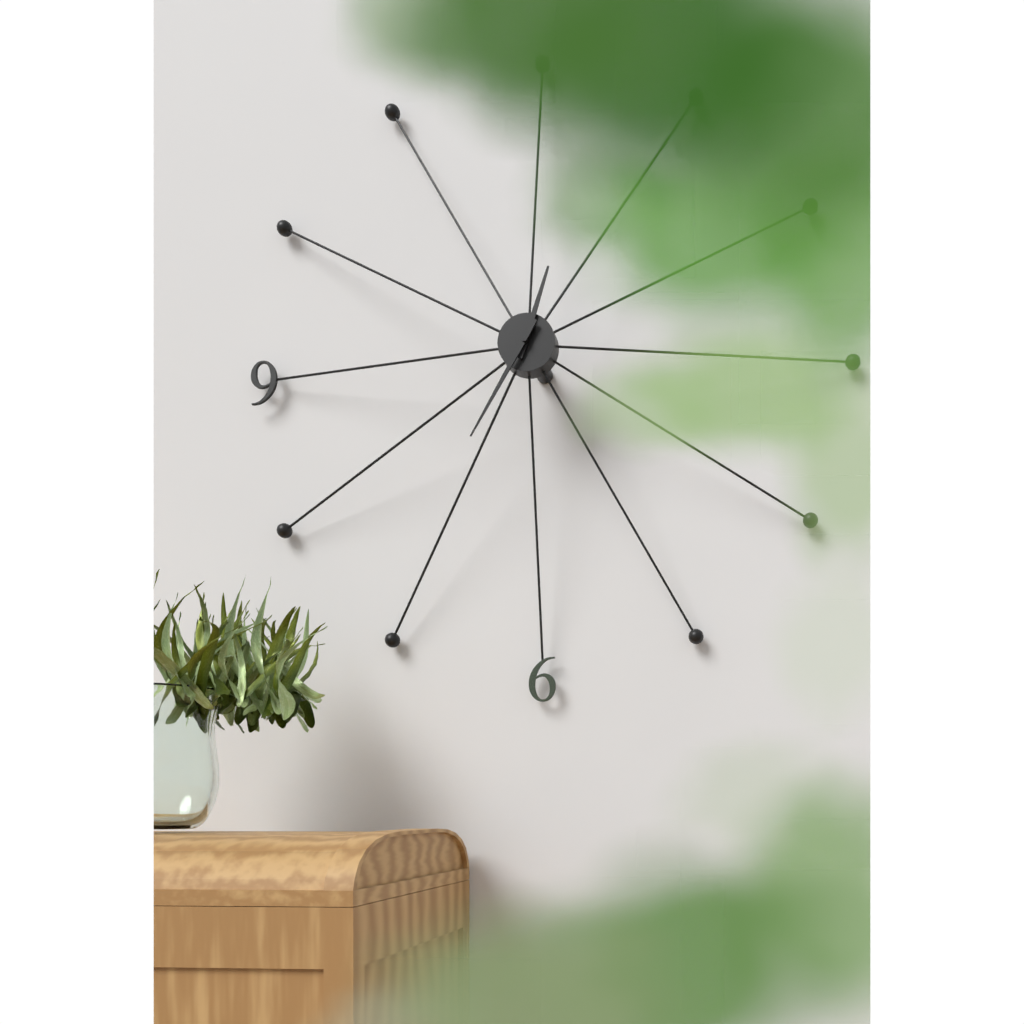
{"hour": 12, "minute": 35}
